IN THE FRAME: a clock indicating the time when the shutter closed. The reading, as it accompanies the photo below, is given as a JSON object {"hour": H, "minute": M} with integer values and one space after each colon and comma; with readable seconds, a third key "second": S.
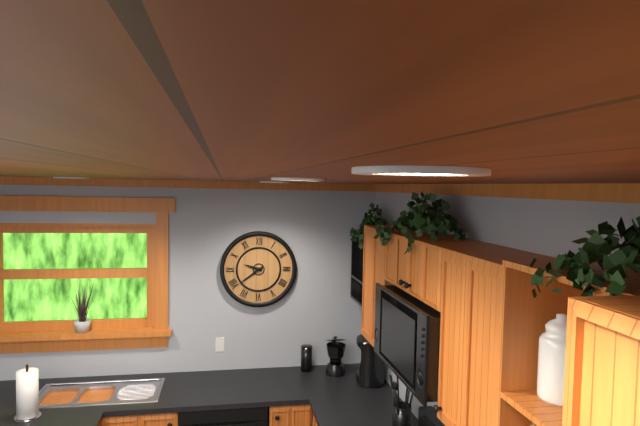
{"hour": 9, "minute": 39}
